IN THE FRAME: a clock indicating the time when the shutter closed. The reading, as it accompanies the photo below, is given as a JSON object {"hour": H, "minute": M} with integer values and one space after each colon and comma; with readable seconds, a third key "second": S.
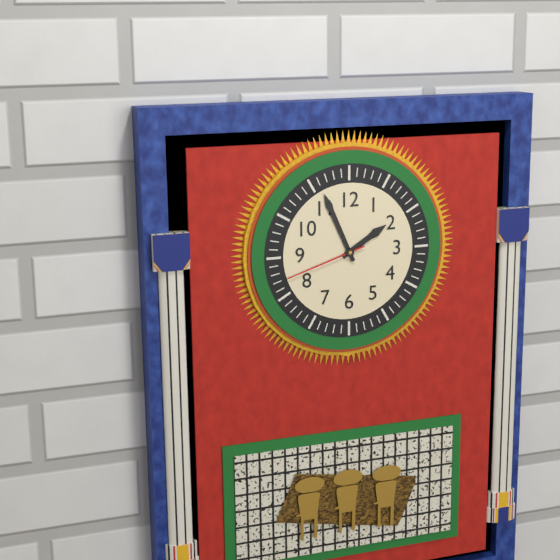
{"hour": 1, "minute": 56, "second": 42}
